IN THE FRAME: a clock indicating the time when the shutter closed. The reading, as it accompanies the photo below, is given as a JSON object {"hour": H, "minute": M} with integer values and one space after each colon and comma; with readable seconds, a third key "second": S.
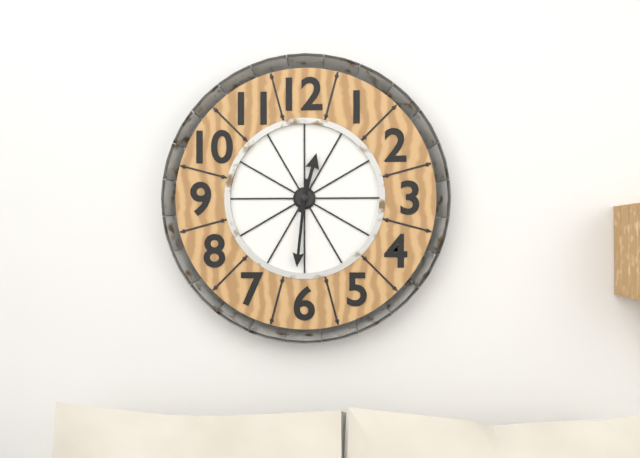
{"hour": 12, "minute": 31}
